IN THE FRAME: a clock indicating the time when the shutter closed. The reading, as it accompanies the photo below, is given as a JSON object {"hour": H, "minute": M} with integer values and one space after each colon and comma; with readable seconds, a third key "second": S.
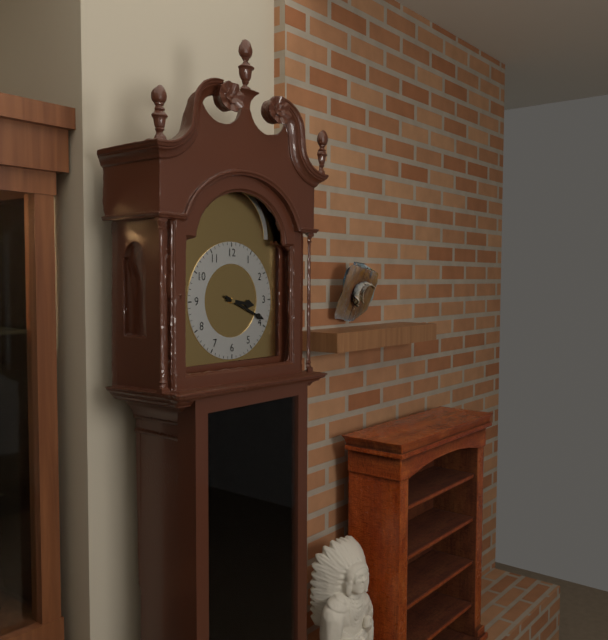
{"hour": 3, "minute": 19}
